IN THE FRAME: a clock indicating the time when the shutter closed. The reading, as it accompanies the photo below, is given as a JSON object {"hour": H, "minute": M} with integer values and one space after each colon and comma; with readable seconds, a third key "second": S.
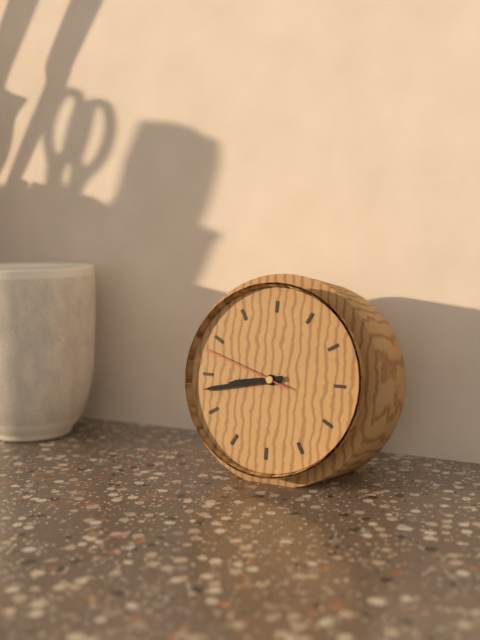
{"hour": 8, "minute": 43, "second": 48}
